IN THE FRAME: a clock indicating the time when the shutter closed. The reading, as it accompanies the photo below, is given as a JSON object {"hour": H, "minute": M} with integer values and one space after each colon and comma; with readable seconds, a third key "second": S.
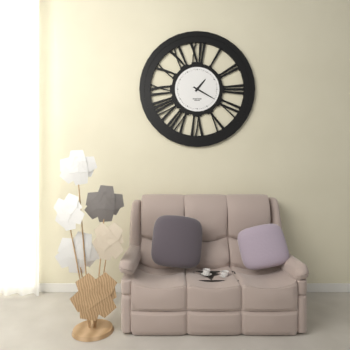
{"hour": 1, "minute": 20}
